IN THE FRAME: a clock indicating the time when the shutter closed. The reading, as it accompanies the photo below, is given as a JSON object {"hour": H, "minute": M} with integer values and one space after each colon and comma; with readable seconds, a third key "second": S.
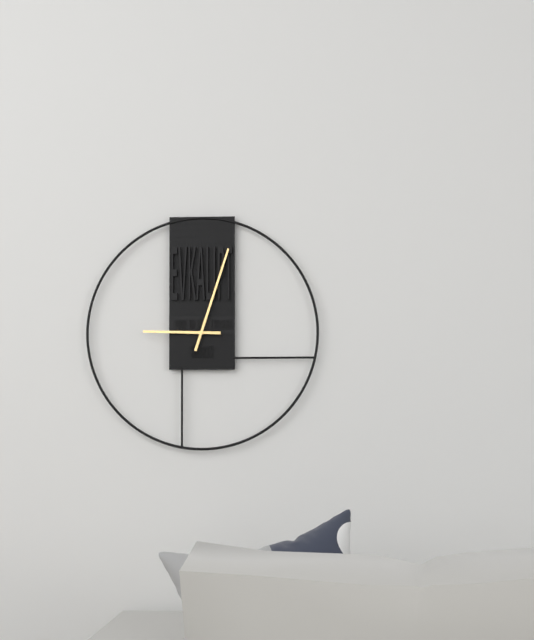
{"hour": 9, "minute": 3}
